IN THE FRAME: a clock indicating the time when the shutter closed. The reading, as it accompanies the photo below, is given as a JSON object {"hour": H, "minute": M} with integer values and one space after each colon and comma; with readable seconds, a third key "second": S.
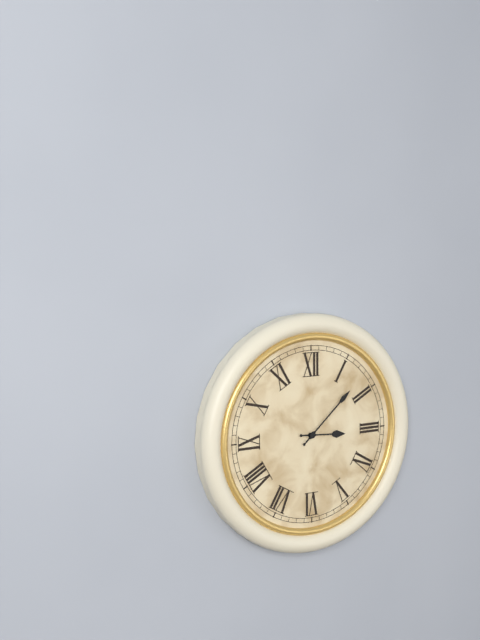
{"hour": 3, "minute": 8}
